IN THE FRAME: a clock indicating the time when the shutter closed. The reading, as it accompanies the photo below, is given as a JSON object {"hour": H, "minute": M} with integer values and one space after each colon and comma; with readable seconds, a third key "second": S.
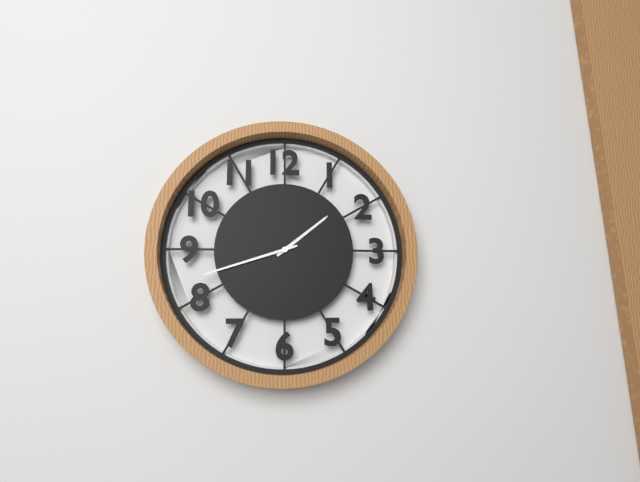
{"hour": 1, "minute": 42}
